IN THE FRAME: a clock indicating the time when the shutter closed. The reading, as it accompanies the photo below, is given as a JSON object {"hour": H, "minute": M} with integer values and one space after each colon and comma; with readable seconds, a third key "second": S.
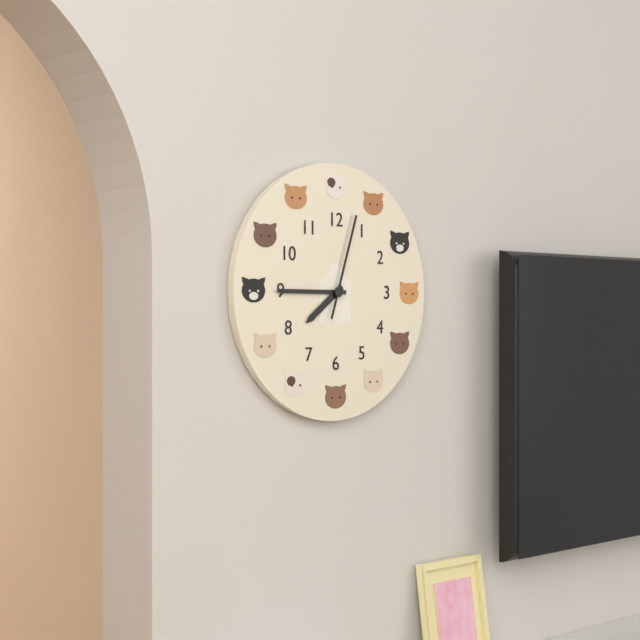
{"hour": 7, "minute": 45, "second": 3}
